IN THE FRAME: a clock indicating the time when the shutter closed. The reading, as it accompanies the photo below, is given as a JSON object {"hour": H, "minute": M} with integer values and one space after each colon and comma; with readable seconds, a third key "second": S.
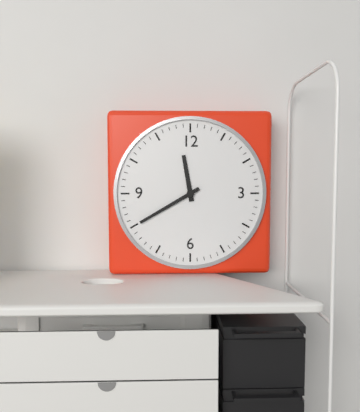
{"hour": 11, "minute": 40}
